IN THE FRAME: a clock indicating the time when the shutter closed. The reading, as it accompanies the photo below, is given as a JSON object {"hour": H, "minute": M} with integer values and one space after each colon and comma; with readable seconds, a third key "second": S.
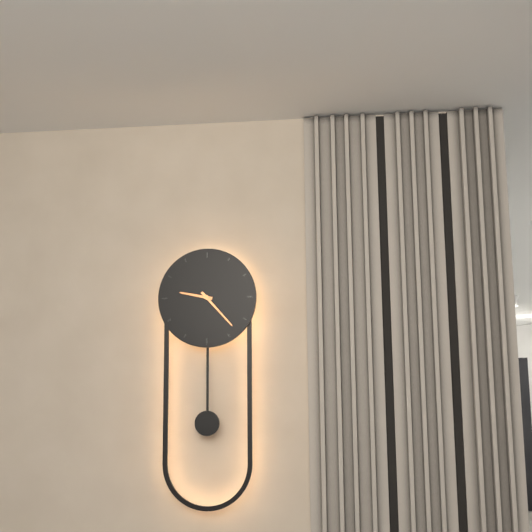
{"hour": 9, "minute": 23}
